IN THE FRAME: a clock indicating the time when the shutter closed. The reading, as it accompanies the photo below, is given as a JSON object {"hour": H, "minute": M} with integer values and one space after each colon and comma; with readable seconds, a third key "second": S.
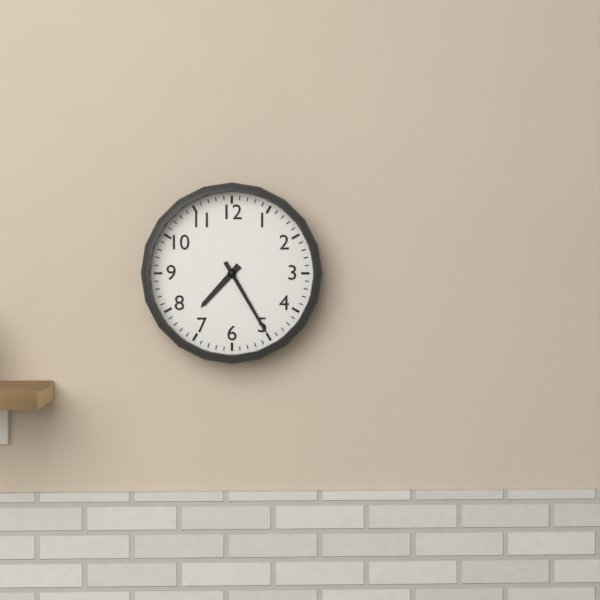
{"hour": 7, "minute": 25}
